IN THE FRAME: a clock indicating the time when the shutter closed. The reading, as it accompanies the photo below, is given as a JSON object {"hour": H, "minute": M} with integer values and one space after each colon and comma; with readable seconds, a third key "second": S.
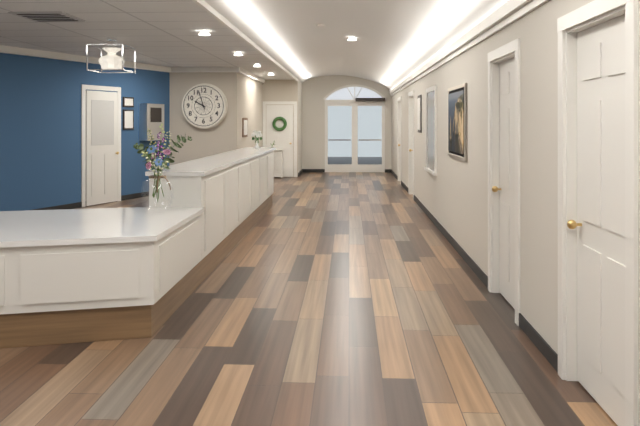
{"hour": 9, "minute": 57}
